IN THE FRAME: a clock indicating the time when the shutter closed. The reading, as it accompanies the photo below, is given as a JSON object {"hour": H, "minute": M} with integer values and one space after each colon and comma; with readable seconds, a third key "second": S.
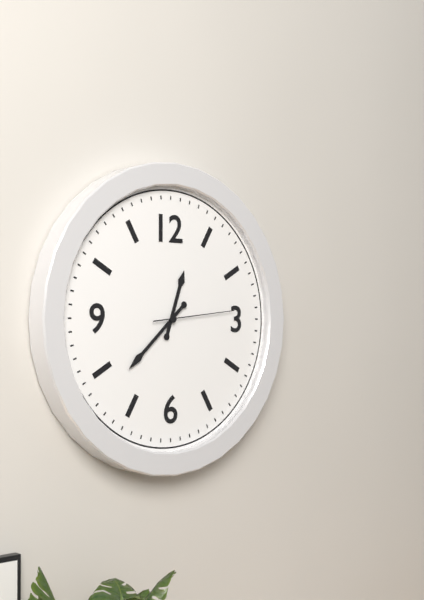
{"hour": 12, "minute": 38, "second": 14}
